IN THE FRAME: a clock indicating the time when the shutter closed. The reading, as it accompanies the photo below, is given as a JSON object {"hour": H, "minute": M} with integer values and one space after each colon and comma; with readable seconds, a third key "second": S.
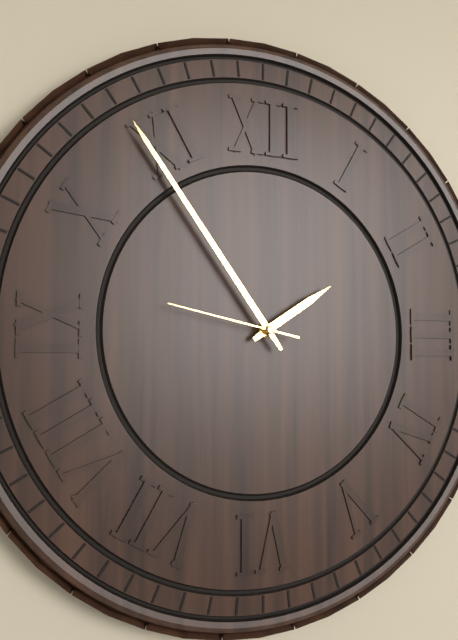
{"hour": 1, "minute": 54, "second": 47}
